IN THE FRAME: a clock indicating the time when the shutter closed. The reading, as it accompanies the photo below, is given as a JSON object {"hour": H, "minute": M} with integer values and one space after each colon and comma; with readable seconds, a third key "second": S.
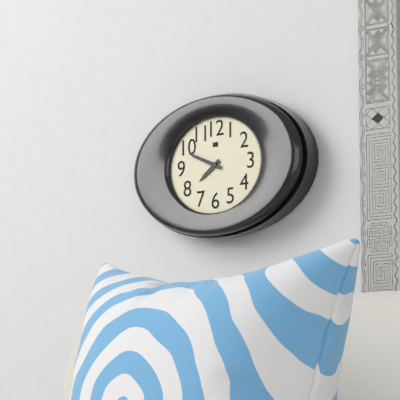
{"hour": 7, "minute": 49}
